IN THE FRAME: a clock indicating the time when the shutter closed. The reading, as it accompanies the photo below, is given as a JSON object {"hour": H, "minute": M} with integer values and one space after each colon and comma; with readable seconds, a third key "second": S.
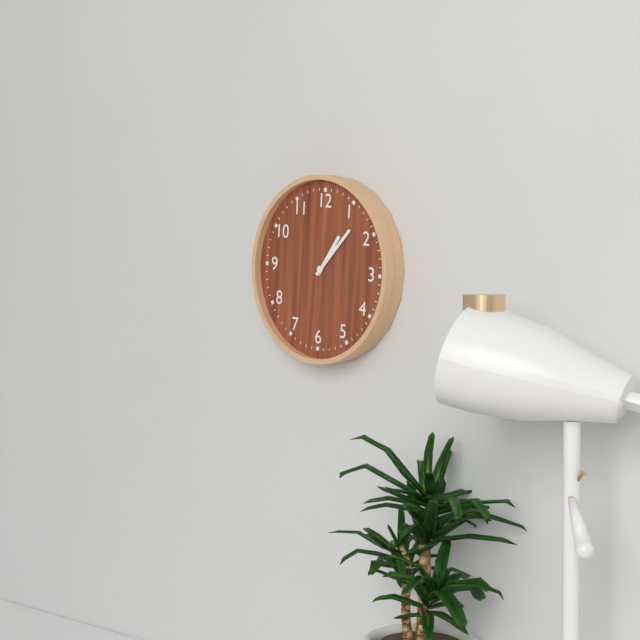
{"hour": 1, "minute": 7}
